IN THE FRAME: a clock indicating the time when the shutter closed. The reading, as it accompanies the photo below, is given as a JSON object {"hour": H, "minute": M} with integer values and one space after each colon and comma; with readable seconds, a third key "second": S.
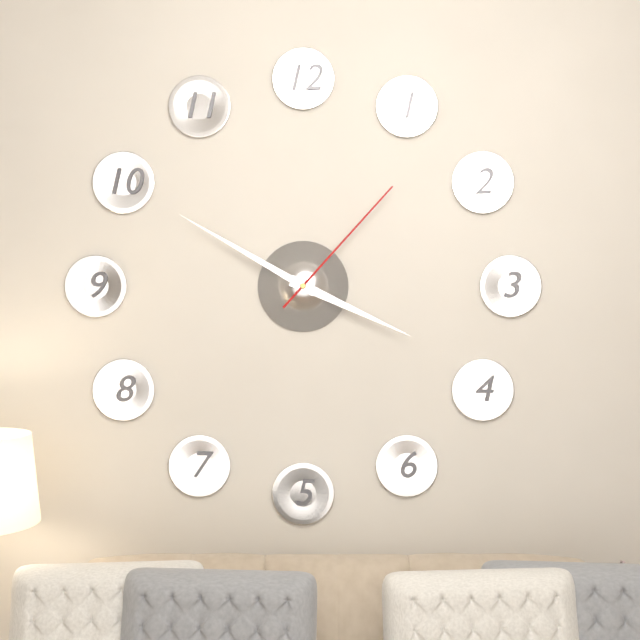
{"hour": 3, "minute": 50, "second": 7}
